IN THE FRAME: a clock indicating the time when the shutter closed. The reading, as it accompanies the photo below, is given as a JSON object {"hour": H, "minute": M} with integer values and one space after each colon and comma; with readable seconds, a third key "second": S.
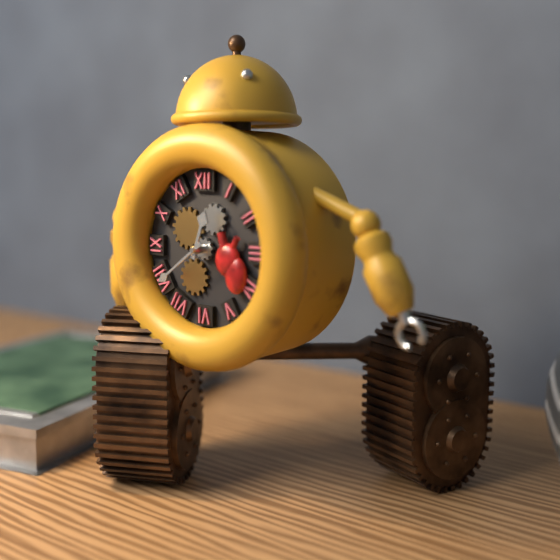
{"hour": 12, "minute": 39}
